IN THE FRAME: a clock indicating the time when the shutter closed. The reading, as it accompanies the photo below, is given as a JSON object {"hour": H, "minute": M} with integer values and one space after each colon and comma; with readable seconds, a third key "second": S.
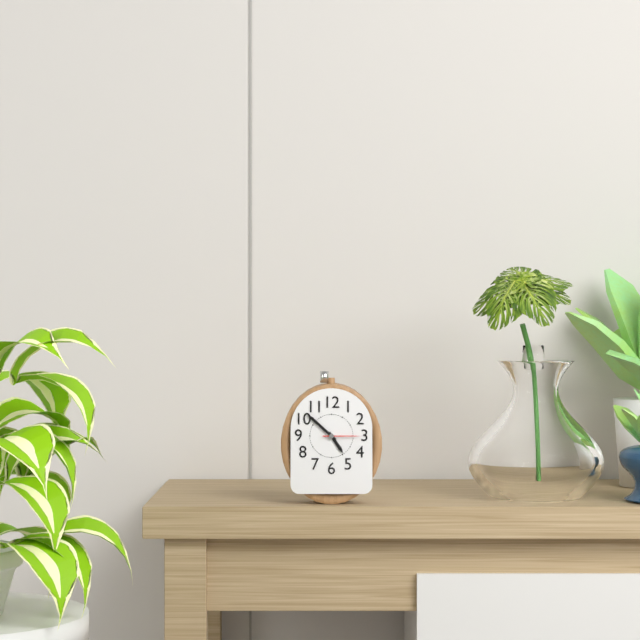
{"hour": 4, "minute": 52}
